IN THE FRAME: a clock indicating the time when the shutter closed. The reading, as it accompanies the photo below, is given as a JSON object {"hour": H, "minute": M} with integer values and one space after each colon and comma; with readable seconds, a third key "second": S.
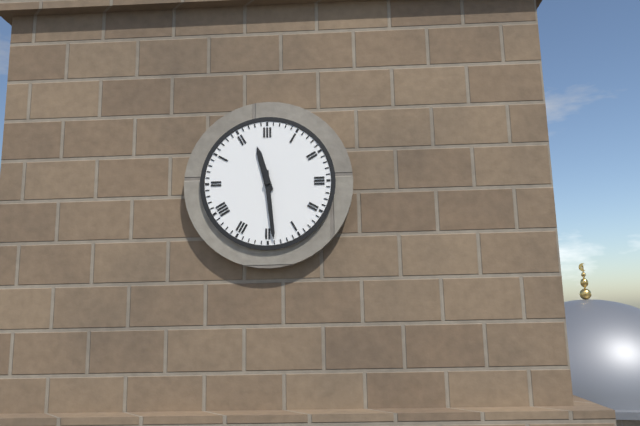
{"hour": 11, "minute": 29}
